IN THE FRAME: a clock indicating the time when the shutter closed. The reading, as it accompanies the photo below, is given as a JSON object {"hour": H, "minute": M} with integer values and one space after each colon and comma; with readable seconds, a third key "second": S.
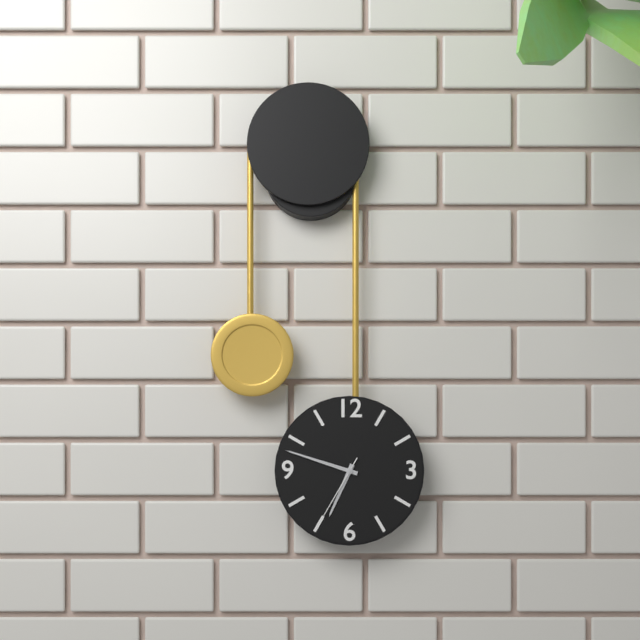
{"hour": 6, "minute": 48, "second": 35}
